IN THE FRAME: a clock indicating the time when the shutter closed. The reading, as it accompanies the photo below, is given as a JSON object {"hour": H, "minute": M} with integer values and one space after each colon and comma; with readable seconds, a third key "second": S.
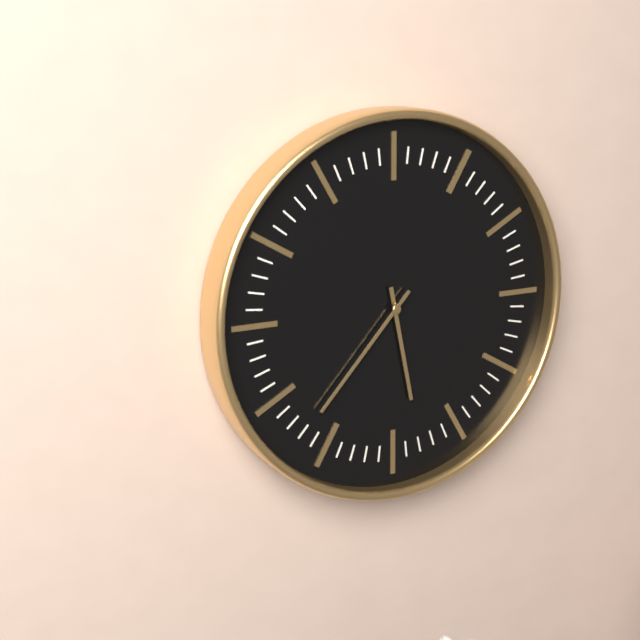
{"hour": 5, "minute": 37}
